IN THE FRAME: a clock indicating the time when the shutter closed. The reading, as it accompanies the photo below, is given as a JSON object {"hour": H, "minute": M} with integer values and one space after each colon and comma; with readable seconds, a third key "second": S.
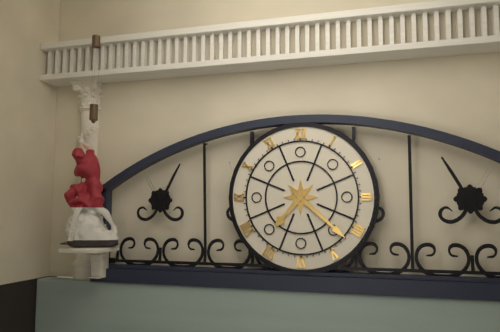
{"hour": 7, "minute": 22}
